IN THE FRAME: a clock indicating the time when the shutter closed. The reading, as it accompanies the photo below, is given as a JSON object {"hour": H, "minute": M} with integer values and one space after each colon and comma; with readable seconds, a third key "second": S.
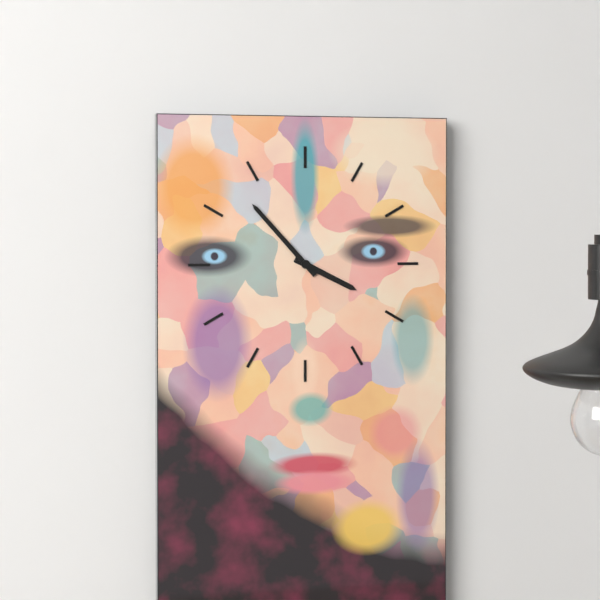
{"hour": 3, "minute": 53}
